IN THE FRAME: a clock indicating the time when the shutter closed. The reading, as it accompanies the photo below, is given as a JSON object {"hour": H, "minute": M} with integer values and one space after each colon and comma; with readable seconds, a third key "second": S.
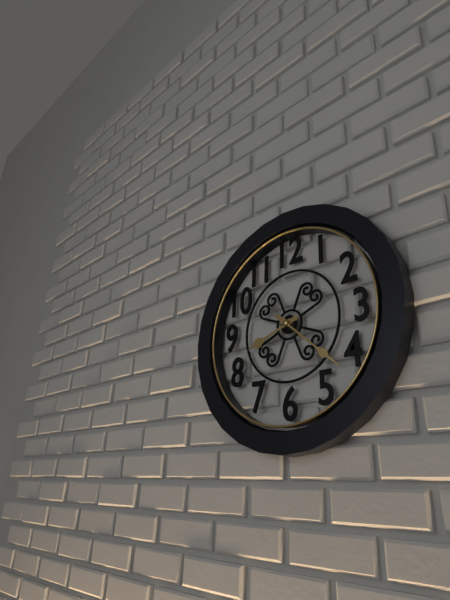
{"hour": 8, "minute": 22}
